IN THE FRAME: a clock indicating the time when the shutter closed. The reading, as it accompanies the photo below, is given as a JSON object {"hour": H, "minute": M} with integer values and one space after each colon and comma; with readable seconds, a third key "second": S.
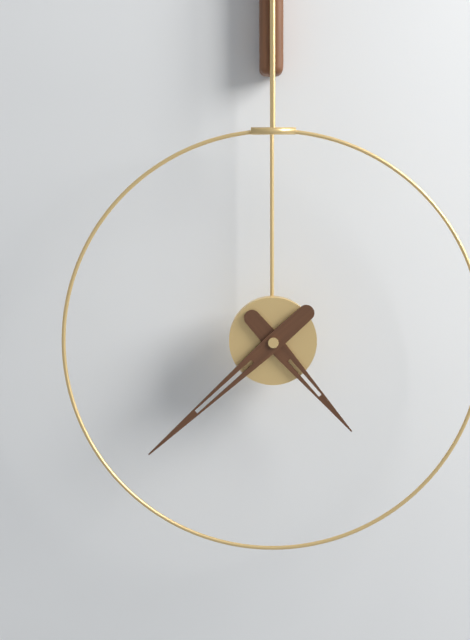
{"hour": 4, "minute": 38}
